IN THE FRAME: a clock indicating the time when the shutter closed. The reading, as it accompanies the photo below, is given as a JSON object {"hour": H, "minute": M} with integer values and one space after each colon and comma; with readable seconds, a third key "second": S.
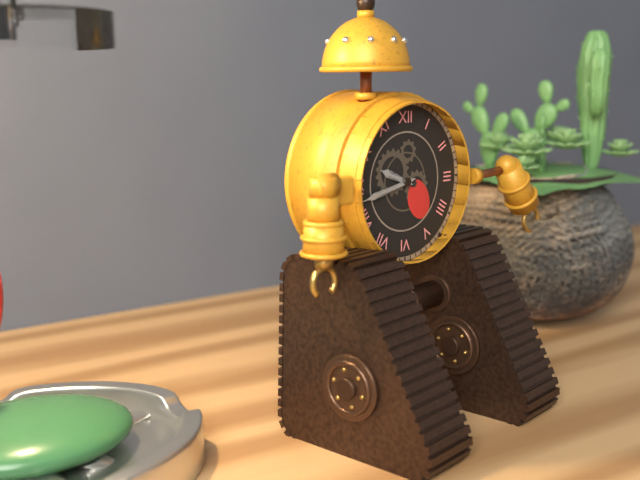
{"hour": 9, "minute": 43}
